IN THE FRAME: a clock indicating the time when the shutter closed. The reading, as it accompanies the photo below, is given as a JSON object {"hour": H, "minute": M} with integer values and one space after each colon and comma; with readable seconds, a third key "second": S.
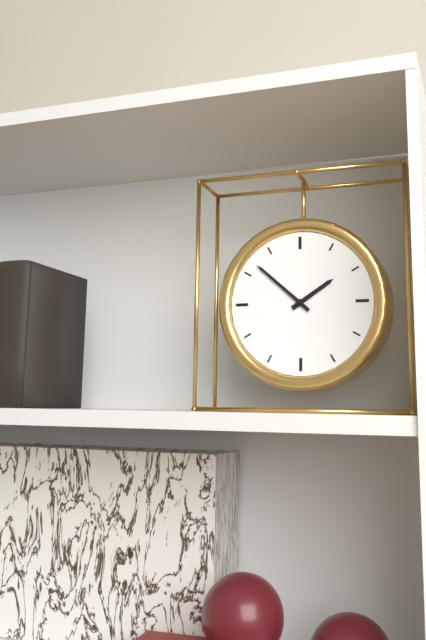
{"hour": 1, "minute": 52}
